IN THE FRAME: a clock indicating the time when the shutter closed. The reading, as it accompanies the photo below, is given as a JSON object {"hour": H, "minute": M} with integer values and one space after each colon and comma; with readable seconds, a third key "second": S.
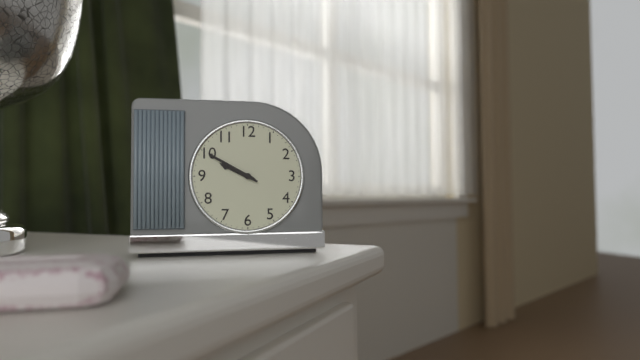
{"hour": 9, "minute": 50}
